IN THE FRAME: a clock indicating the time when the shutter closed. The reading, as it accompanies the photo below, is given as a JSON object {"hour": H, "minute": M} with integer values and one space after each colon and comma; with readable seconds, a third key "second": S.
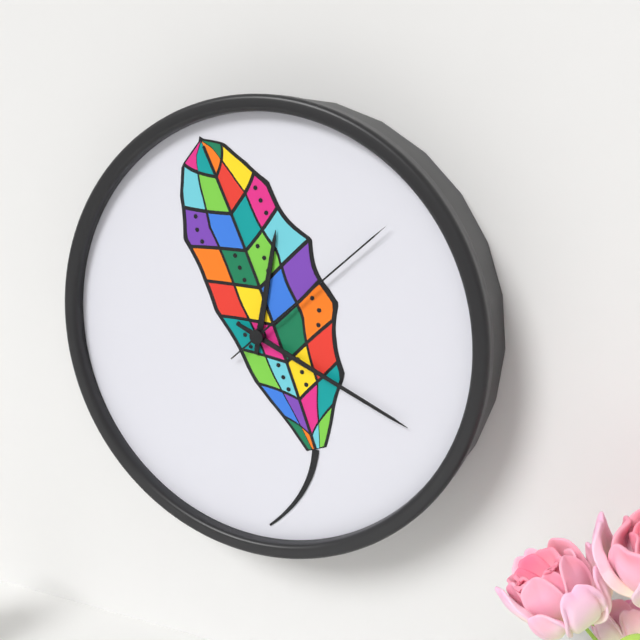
{"hour": 12, "minute": 19, "second": 8}
